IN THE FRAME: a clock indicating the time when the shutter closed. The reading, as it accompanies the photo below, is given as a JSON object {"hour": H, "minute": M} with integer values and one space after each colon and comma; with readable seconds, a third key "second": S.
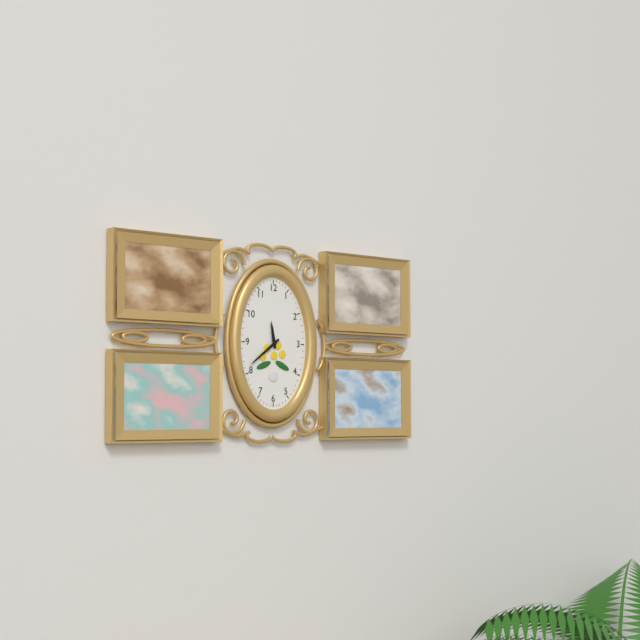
{"hour": 11, "minute": 39}
